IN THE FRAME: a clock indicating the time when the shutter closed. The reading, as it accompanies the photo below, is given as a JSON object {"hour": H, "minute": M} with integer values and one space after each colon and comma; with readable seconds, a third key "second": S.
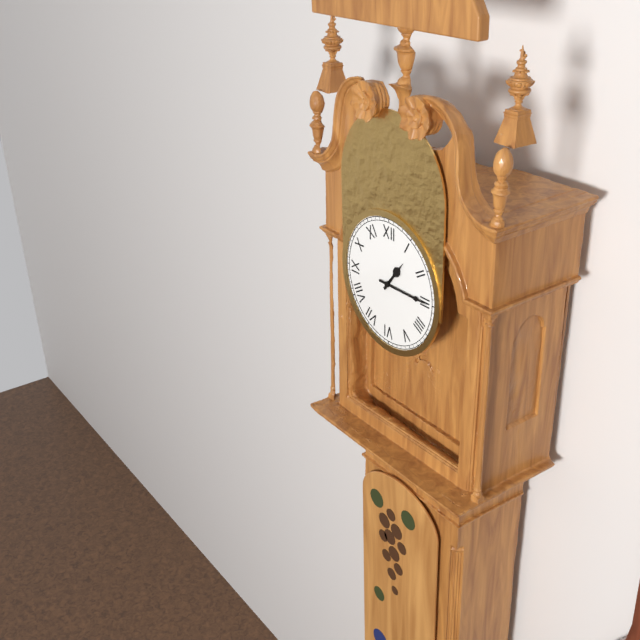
{"hour": 1, "minute": 15}
